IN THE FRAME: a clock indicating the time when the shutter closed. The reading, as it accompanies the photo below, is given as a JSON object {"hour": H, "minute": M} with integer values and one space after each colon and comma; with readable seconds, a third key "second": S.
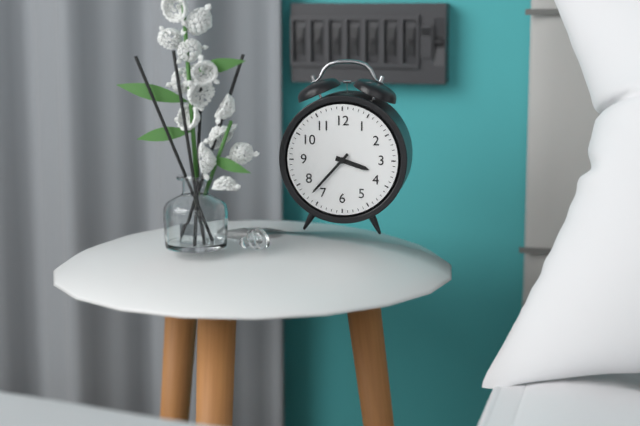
{"hour": 3, "minute": 37}
